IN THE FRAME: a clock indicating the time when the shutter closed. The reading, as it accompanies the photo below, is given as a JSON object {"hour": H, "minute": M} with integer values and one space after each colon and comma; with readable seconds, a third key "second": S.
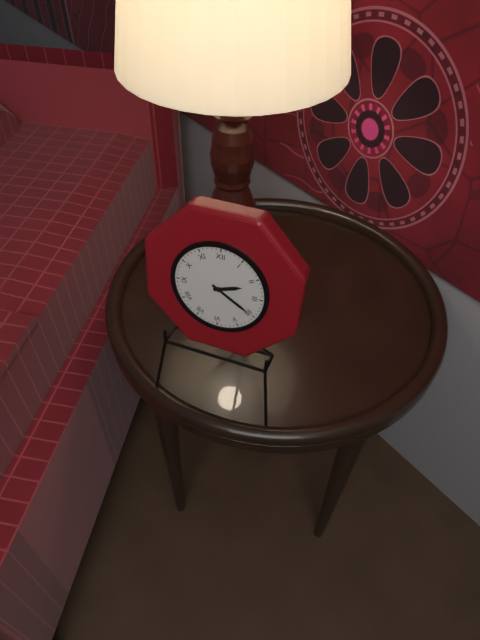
{"hour": 2, "minute": 20}
